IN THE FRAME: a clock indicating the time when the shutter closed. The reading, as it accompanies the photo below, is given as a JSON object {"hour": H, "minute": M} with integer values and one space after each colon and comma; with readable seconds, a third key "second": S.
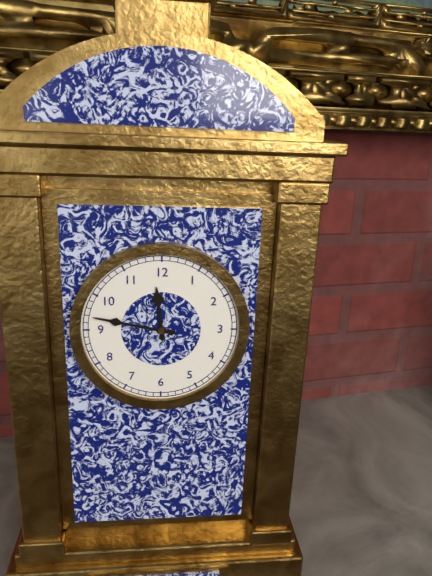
{"hour": 11, "minute": 47}
